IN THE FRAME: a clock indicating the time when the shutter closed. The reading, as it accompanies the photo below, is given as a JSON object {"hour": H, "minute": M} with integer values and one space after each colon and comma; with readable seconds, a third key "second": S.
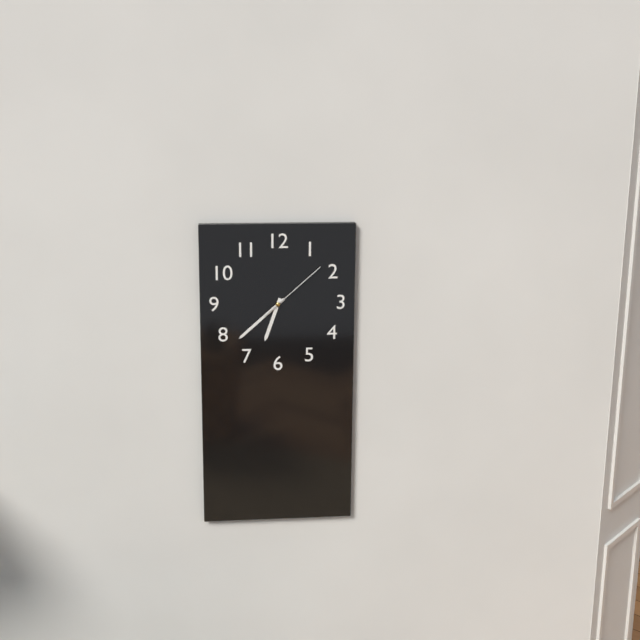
{"hour": 6, "minute": 38, "second": 8}
